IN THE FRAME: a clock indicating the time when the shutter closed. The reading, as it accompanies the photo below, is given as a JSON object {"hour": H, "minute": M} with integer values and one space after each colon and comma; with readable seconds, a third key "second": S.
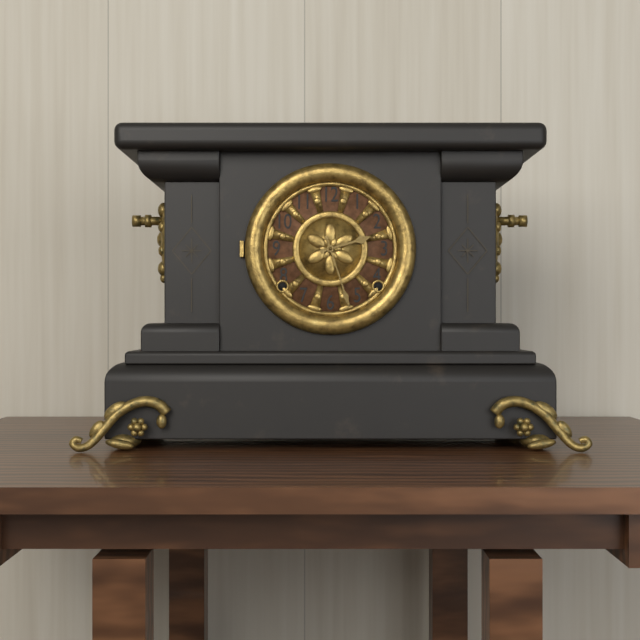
{"hour": 2, "minute": 27}
